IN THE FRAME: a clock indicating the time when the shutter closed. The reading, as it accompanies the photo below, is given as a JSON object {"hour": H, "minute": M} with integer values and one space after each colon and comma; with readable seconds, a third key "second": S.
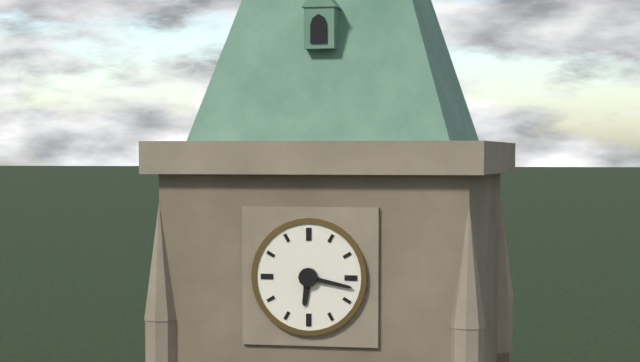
{"hour": 6, "minute": 17}
